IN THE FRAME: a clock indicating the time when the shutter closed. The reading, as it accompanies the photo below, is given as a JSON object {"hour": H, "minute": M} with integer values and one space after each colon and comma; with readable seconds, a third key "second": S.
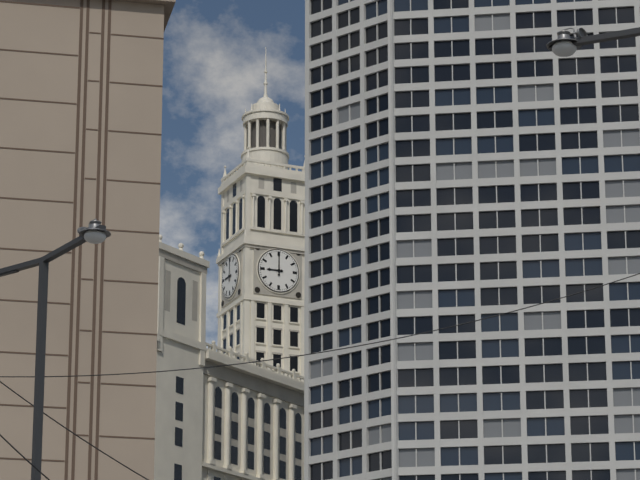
{"hour": 9, "minute": 0}
